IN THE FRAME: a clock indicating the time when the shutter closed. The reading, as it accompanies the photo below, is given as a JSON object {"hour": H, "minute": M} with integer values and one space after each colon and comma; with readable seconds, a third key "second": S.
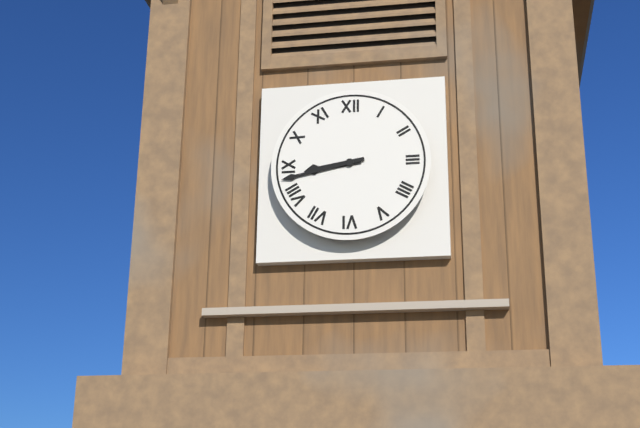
{"hour": 8, "minute": 43}
